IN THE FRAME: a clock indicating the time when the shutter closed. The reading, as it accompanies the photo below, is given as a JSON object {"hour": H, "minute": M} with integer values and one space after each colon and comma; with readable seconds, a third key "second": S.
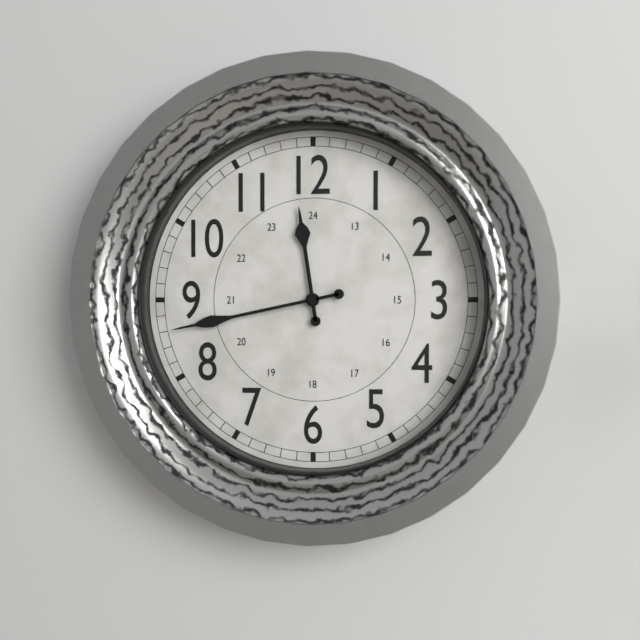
{"hour": 11, "minute": 43}
